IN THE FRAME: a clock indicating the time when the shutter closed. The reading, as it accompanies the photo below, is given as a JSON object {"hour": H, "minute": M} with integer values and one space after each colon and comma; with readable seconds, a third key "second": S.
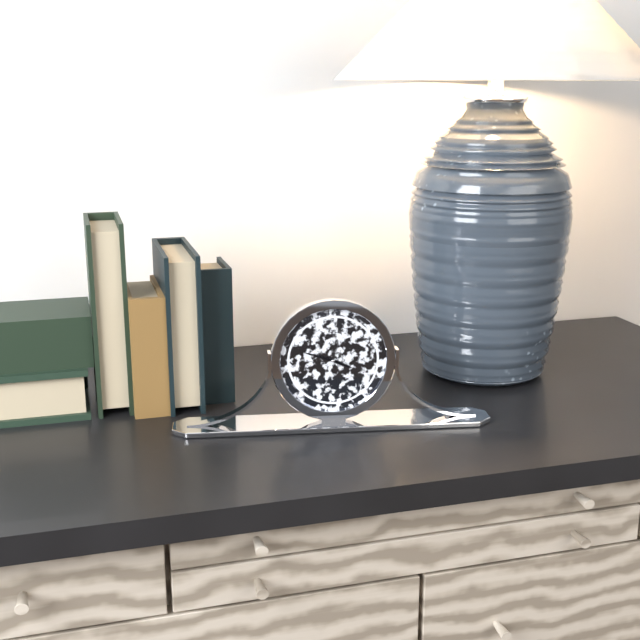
{"hour": 3, "minute": 48}
